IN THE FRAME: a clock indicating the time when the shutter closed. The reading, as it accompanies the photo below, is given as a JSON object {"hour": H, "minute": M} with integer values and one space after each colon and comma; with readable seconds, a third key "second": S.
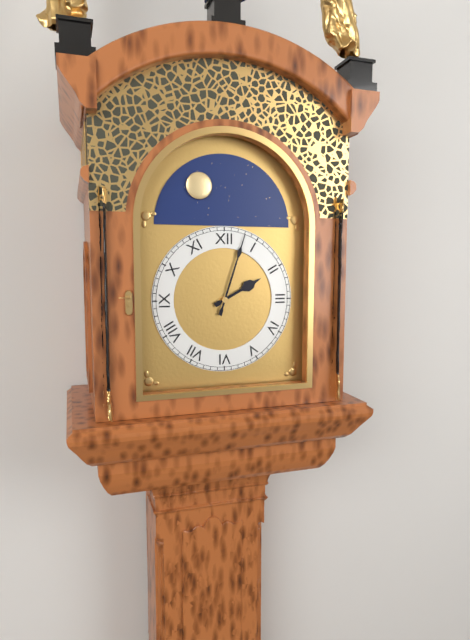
{"hour": 2, "minute": 3}
